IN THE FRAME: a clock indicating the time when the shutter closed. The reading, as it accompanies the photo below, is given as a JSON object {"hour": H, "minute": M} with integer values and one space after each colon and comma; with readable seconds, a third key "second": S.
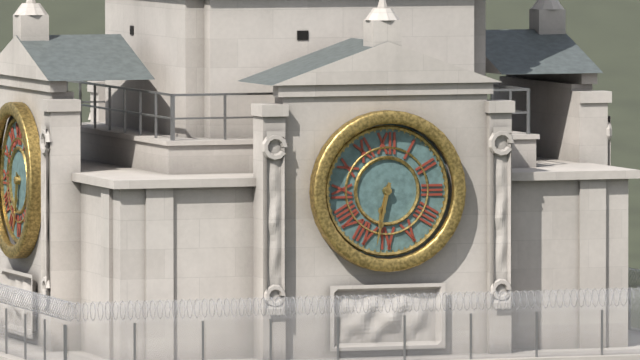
{"hour": 6, "minute": 32}
